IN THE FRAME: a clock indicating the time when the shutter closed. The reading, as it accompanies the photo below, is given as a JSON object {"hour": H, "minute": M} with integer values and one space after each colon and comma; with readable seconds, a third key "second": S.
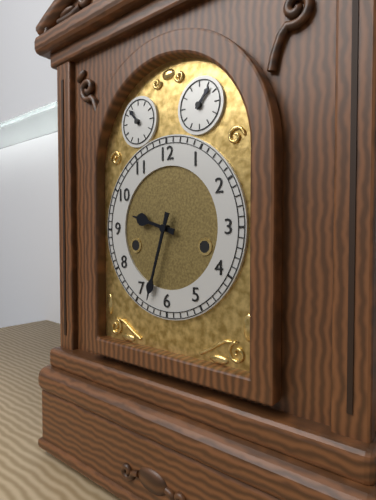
{"hour": 9, "minute": 33}
